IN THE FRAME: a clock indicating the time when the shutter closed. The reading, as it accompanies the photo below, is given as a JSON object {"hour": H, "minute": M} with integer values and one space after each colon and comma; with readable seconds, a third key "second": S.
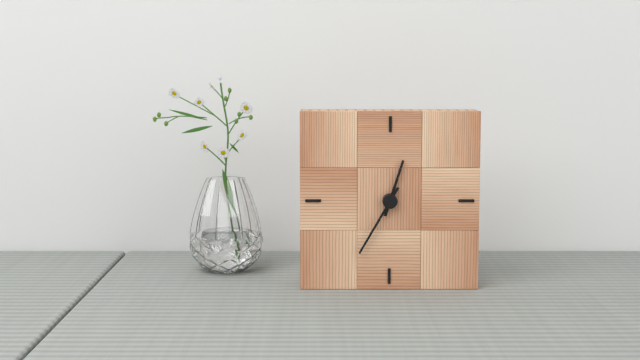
{"hour": 12, "minute": 35}
